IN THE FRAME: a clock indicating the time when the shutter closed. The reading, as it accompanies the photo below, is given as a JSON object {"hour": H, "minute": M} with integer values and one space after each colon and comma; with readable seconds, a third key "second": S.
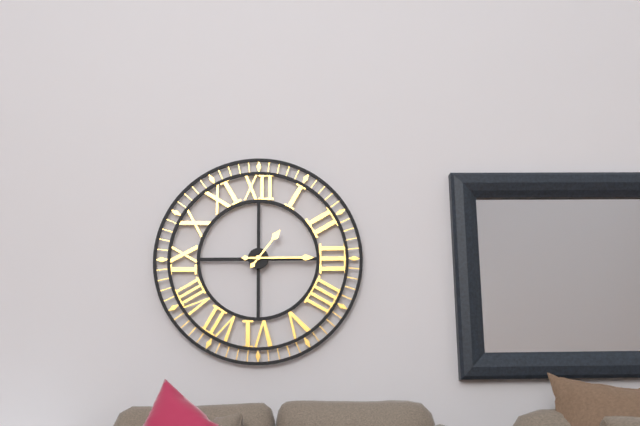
{"hour": 1, "minute": 15}
